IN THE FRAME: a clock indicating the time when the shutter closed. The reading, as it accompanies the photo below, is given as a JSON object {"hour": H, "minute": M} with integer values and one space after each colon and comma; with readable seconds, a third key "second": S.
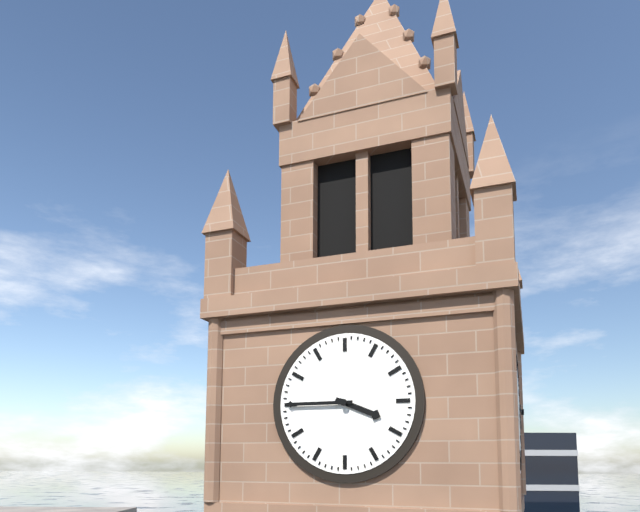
{"hour": 3, "minute": 45}
